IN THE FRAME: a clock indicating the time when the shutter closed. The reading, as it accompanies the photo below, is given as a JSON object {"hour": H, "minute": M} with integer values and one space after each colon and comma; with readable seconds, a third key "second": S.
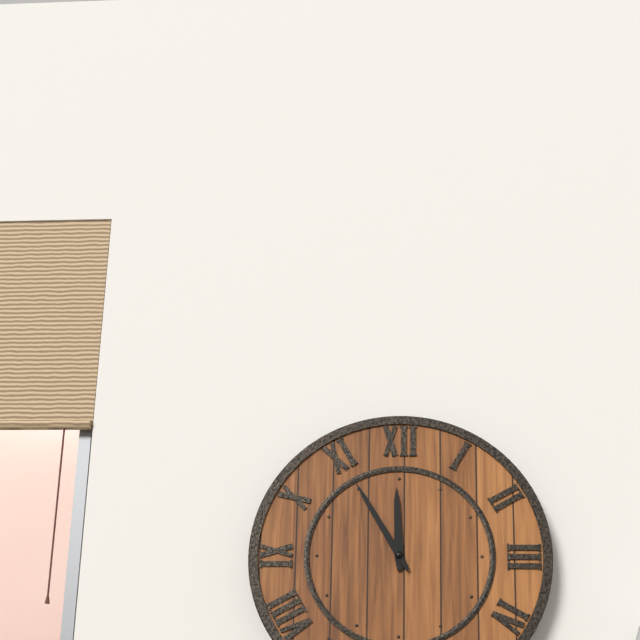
{"hour": 11, "minute": 55}
